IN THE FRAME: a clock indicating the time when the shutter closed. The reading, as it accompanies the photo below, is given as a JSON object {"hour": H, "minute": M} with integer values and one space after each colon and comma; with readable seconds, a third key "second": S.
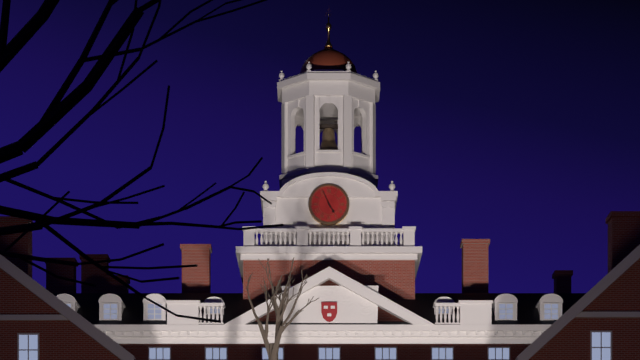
{"hour": 4, "minute": 56}
